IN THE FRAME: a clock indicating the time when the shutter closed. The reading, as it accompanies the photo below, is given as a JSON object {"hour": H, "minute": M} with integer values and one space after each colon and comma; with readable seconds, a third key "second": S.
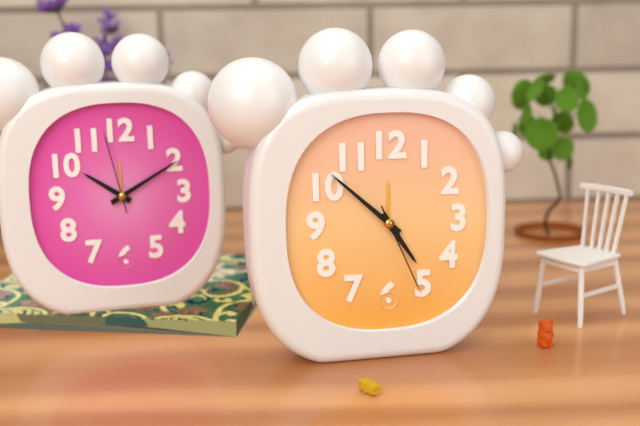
{"hour": 4, "minute": 52, "second": 26}
